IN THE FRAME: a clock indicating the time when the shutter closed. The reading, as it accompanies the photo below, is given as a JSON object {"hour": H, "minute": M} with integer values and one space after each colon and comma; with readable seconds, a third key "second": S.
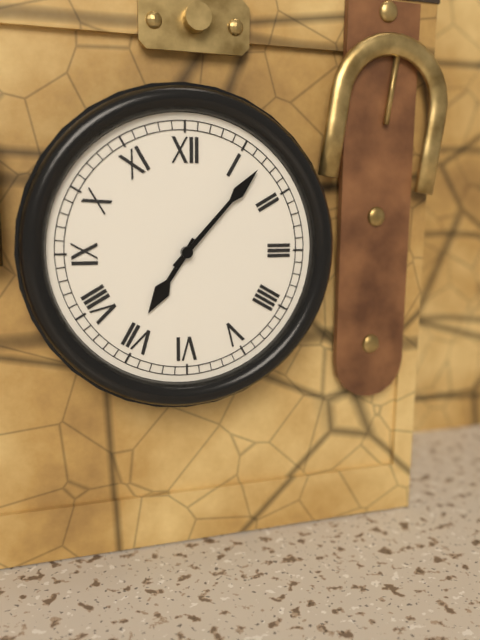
{"hour": 7, "minute": 7}
